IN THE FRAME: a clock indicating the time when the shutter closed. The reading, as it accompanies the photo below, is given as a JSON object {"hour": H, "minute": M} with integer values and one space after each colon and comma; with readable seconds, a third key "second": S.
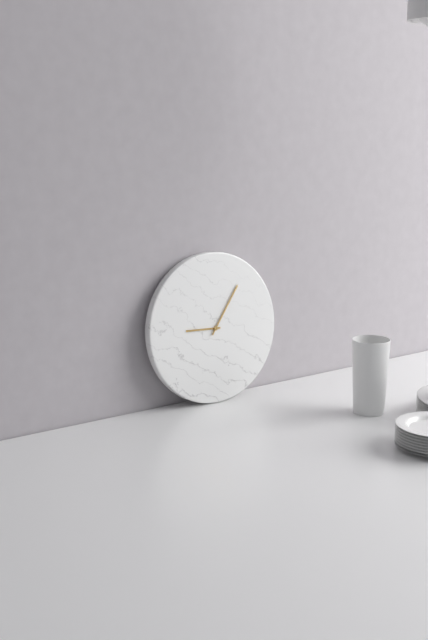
{"hour": 9, "minute": 6}
